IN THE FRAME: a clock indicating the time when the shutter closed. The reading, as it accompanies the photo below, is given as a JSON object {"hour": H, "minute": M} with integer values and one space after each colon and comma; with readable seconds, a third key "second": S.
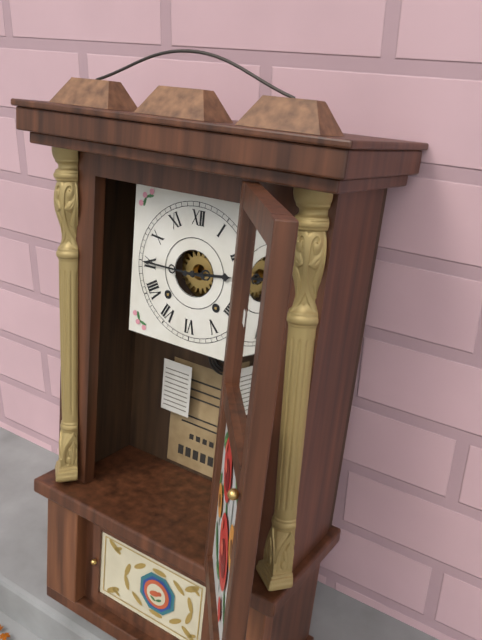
{"hour": 2, "minute": 45}
